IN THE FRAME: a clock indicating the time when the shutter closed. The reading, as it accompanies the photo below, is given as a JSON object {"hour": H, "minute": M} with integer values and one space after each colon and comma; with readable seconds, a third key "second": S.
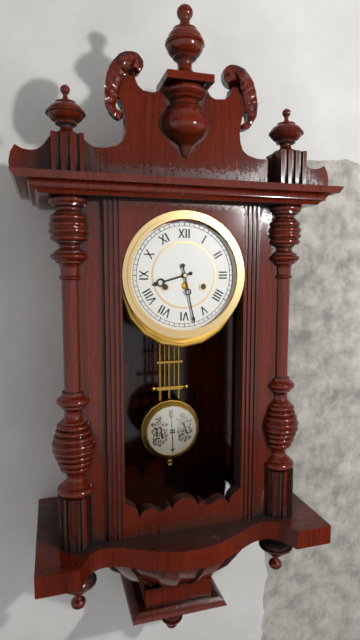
{"hour": 8, "minute": 28}
